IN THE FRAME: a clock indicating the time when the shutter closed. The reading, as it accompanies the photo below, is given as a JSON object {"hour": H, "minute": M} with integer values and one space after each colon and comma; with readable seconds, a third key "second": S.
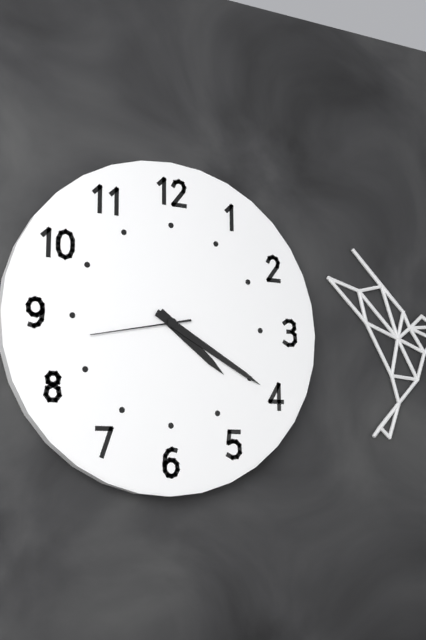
{"hour": 4, "minute": 20, "second": 43}
